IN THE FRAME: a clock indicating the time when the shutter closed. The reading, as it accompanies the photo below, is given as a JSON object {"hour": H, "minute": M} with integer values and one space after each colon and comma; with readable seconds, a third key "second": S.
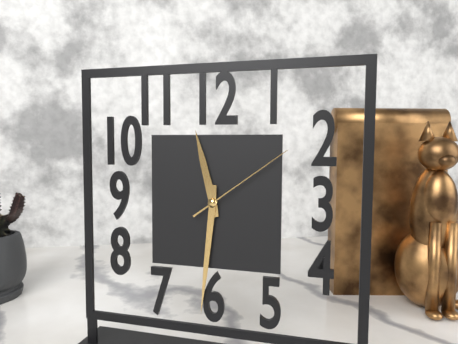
{"hour": 11, "minute": 31, "second": 9}
